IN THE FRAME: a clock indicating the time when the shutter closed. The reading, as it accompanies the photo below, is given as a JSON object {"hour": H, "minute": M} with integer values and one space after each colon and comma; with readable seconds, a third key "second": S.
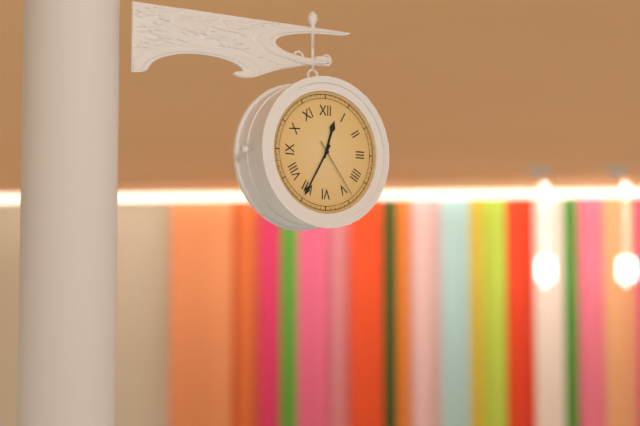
{"hour": 12, "minute": 35, "second": 24}
